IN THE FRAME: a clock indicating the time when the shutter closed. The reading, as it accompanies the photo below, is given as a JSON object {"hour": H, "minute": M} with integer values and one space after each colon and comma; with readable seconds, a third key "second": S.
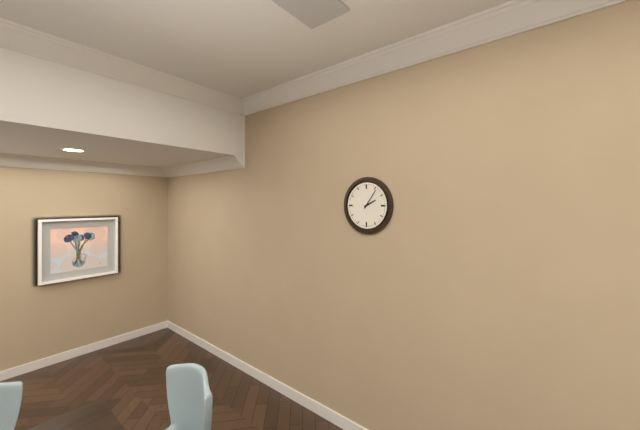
{"hour": 2, "minute": 6}
